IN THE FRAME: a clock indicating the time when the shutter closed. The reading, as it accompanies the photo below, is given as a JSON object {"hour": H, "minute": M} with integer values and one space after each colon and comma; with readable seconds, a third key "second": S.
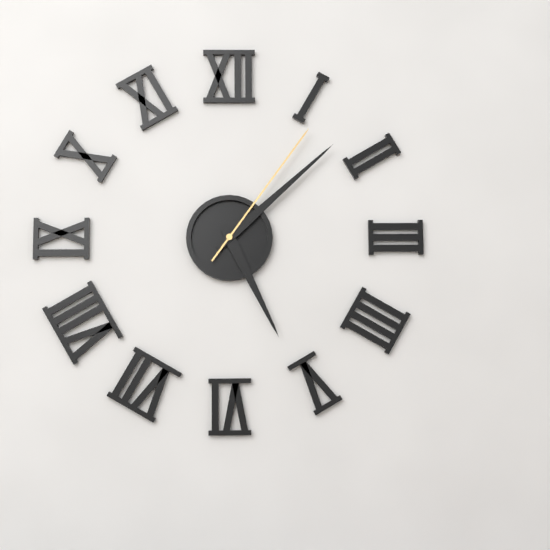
{"hour": 5, "minute": 8, "second": 6}
